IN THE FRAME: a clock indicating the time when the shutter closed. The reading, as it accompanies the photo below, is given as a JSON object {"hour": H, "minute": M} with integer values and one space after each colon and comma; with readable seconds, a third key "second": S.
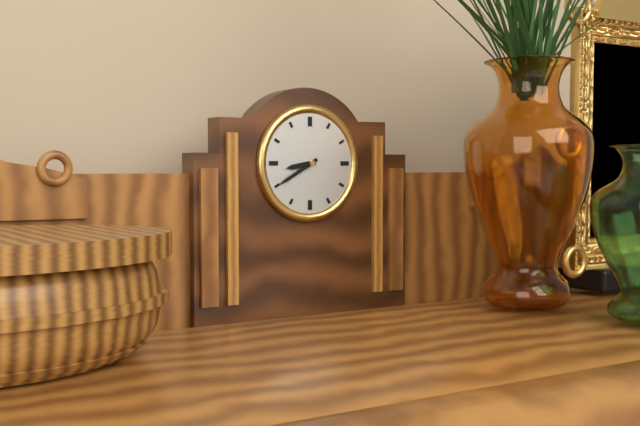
{"hour": 8, "minute": 40}
